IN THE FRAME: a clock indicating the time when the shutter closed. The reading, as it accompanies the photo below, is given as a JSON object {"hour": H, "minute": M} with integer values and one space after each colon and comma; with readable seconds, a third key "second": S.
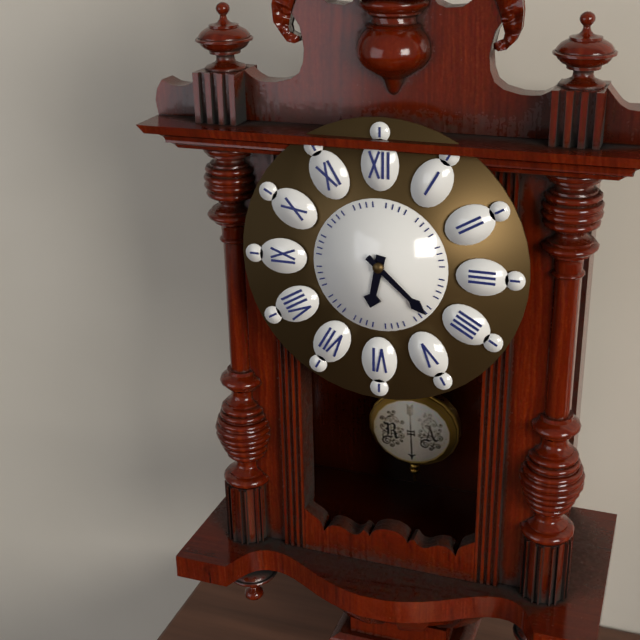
{"hour": 6, "minute": 22}
